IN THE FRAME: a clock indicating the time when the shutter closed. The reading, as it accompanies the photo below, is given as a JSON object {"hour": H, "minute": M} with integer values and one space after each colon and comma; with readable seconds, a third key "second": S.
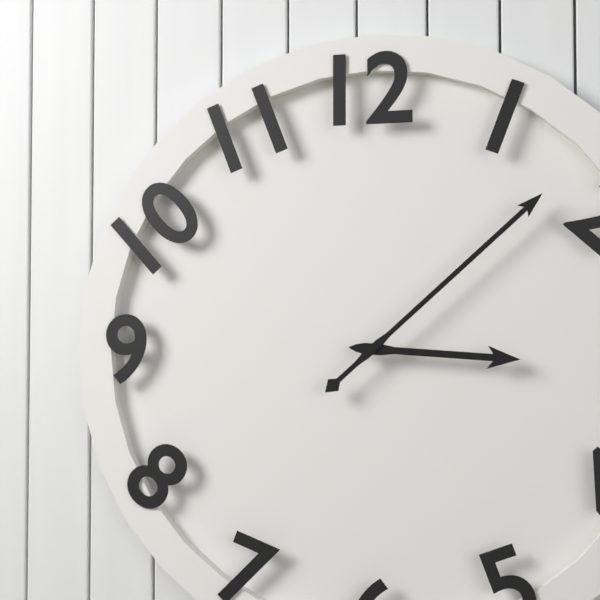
{"hour": 3, "minute": 8}
